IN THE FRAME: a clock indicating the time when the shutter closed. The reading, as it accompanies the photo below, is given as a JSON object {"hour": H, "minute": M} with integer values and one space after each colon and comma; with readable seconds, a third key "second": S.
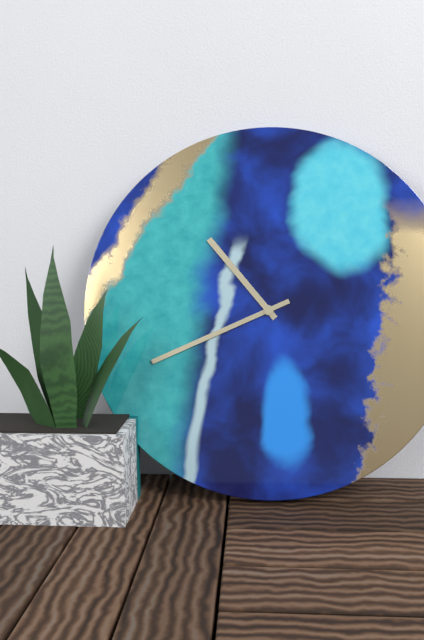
{"hour": 10, "minute": 41}
